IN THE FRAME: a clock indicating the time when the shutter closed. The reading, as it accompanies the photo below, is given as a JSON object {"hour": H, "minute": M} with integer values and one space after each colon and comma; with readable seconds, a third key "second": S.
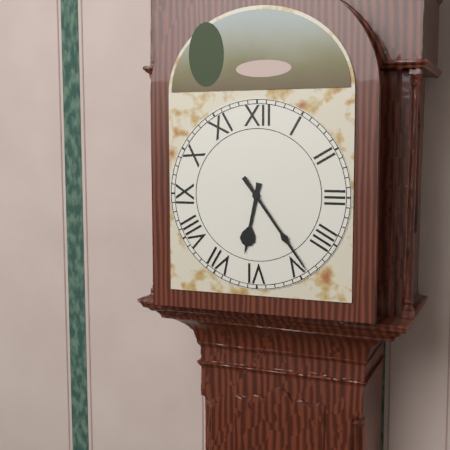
{"hour": 6, "minute": 24}
